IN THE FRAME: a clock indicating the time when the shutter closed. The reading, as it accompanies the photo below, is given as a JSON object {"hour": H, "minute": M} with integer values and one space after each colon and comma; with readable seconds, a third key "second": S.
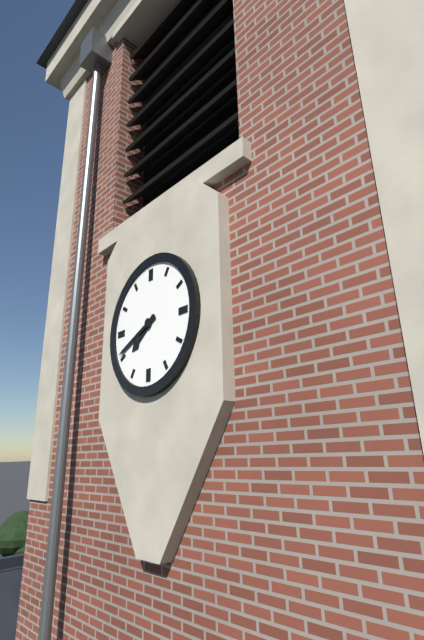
{"hour": 7, "minute": 41}
